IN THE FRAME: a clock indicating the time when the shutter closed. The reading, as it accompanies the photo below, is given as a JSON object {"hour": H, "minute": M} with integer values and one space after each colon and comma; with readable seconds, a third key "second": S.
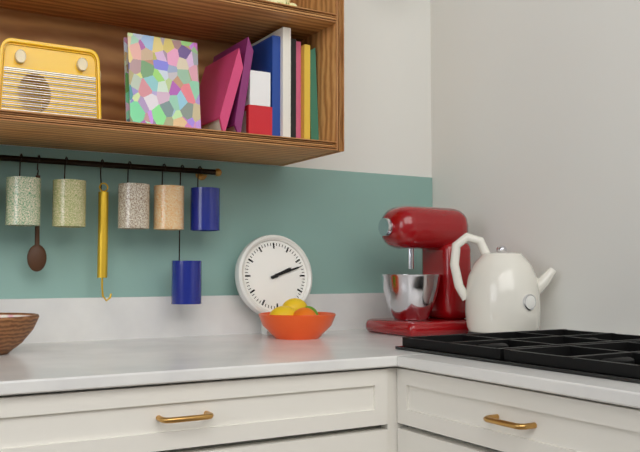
{"hour": 2, "minute": 12}
